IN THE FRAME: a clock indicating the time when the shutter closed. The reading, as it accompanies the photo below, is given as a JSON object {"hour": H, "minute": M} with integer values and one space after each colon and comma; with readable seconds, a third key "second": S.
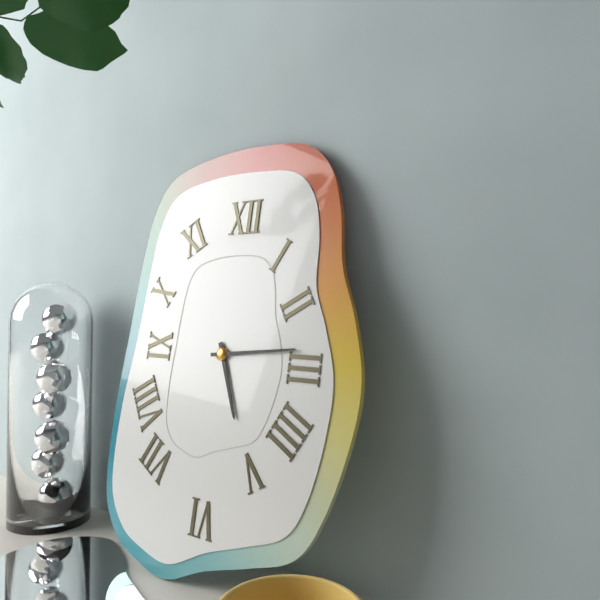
{"hour": 5, "minute": 14}
